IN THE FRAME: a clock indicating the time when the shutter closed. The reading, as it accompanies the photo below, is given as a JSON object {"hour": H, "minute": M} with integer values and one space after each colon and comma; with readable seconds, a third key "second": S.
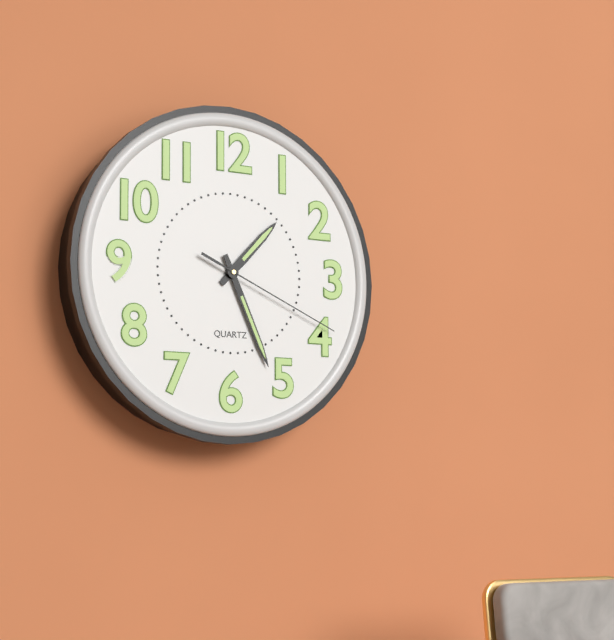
{"hour": 1, "minute": 26, "second": 19}
